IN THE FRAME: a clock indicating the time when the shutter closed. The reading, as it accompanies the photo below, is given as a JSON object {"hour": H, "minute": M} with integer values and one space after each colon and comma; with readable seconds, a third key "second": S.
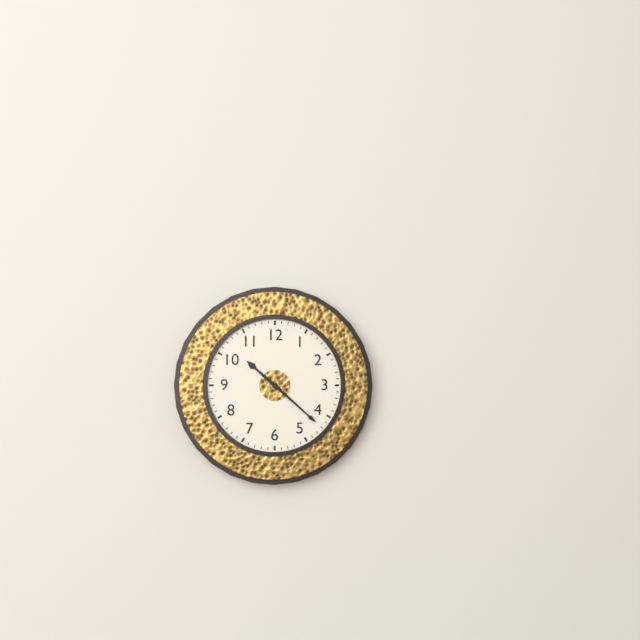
{"hour": 10, "minute": 22}
